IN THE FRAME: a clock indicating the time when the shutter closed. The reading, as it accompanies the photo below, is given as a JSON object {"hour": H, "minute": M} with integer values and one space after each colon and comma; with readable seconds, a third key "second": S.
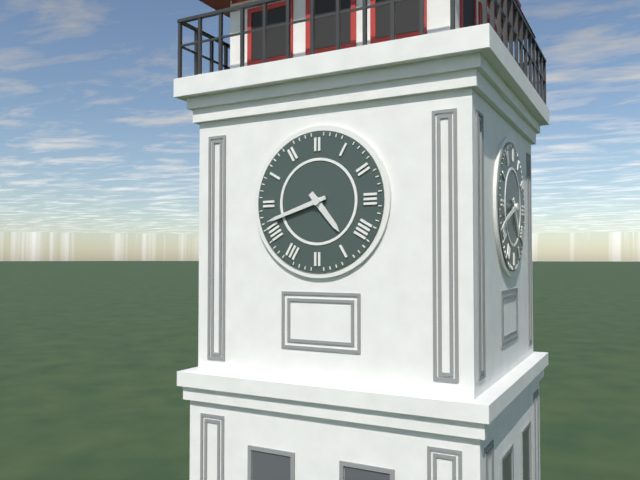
{"hour": 4, "minute": 42}
